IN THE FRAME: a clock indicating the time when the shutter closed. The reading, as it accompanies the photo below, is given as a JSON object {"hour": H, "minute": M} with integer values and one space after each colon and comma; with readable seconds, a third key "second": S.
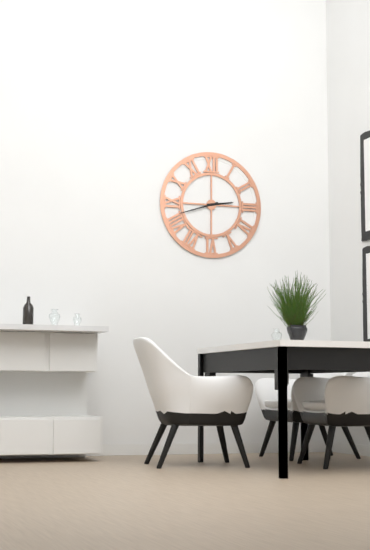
{"hour": 2, "minute": 42}
